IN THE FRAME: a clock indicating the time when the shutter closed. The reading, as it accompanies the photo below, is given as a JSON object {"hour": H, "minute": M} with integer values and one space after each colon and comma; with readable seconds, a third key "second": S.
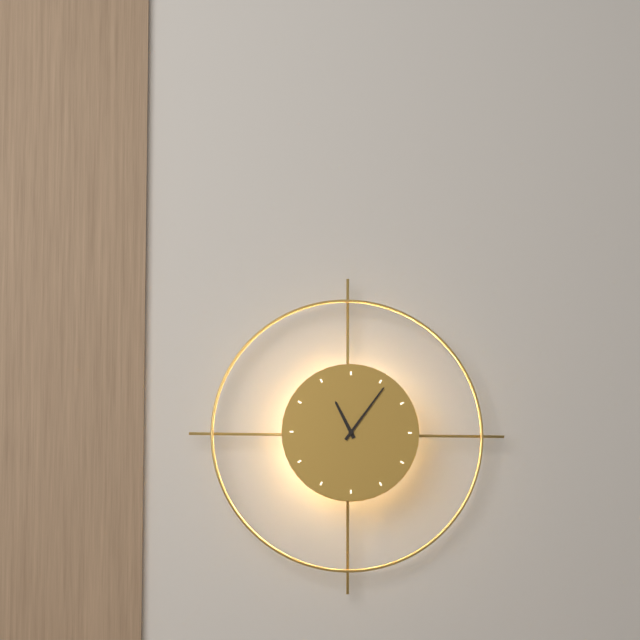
{"hour": 11, "minute": 6}
